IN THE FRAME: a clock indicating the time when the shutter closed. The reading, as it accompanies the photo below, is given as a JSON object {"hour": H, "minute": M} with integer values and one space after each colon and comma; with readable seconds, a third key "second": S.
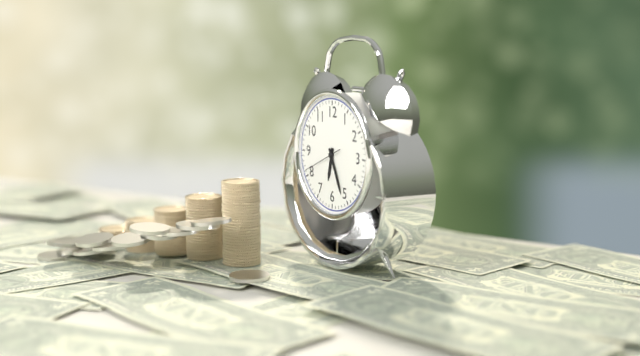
{"hour": 6, "minute": 26}
